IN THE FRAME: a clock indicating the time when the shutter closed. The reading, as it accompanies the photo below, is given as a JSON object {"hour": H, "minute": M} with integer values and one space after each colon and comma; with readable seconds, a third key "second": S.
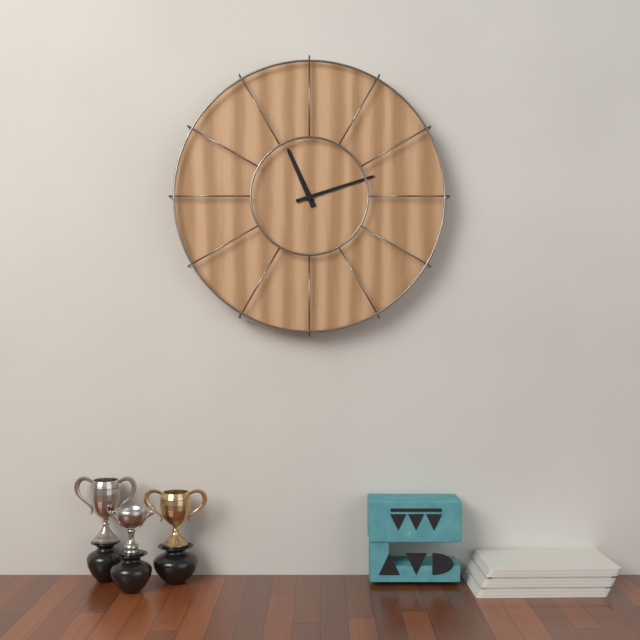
{"hour": 11, "minute": 12}
